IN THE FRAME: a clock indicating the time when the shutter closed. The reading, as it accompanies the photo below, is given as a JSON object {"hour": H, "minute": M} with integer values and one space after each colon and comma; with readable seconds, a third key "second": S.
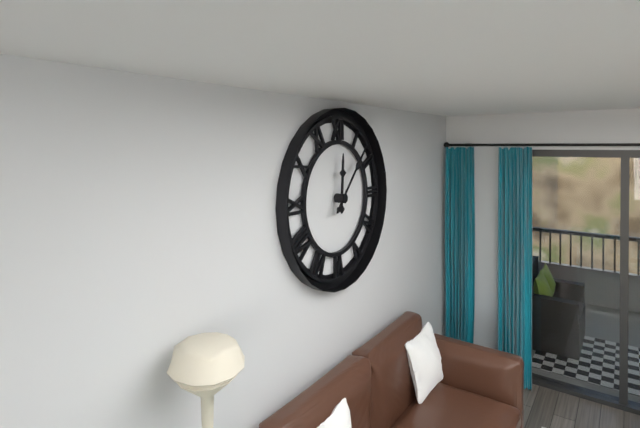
{"hour": 12, "minute": 7}
